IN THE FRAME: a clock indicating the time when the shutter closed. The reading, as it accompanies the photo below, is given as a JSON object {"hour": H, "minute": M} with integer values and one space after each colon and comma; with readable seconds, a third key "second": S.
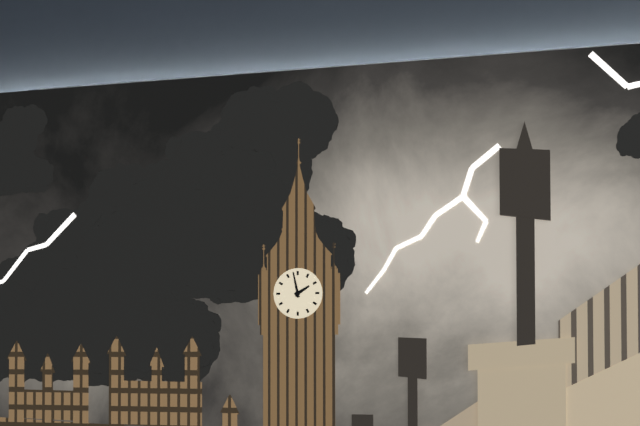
{"hour": 1, "minute": 58}
